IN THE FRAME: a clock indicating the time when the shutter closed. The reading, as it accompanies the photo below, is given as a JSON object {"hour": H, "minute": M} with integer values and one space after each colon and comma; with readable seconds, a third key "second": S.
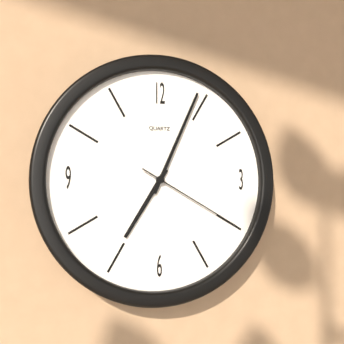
{"hour": 7, "minute": 4, "second": 20}
